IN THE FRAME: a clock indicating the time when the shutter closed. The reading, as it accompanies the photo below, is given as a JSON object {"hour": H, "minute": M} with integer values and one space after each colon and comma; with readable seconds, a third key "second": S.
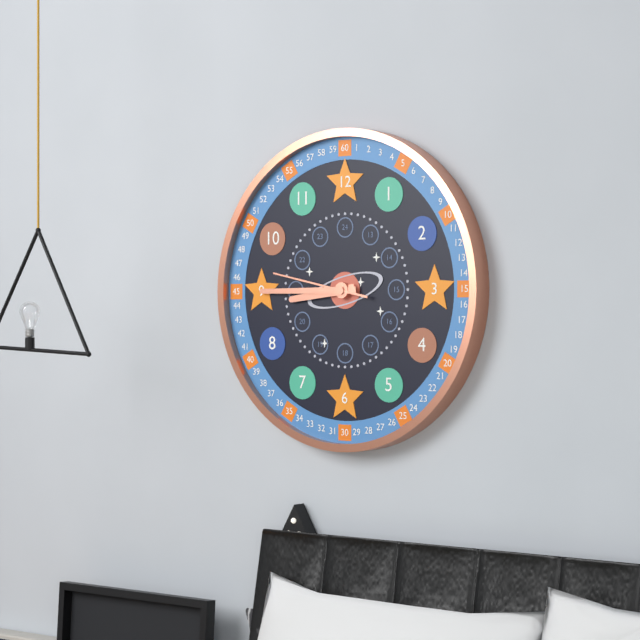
{"hour": 8, "minute": 45, "second": 47}
